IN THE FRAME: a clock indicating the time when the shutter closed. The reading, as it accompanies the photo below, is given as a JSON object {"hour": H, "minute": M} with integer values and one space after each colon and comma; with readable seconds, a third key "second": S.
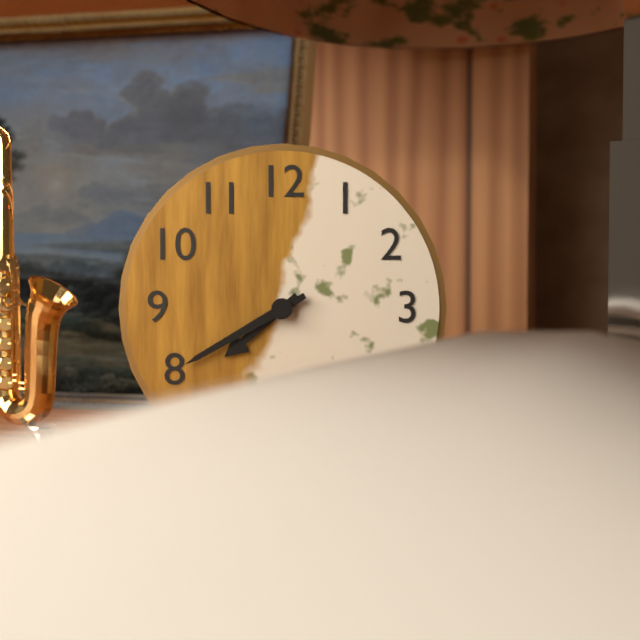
{"hour": 7, "minute": 40}
